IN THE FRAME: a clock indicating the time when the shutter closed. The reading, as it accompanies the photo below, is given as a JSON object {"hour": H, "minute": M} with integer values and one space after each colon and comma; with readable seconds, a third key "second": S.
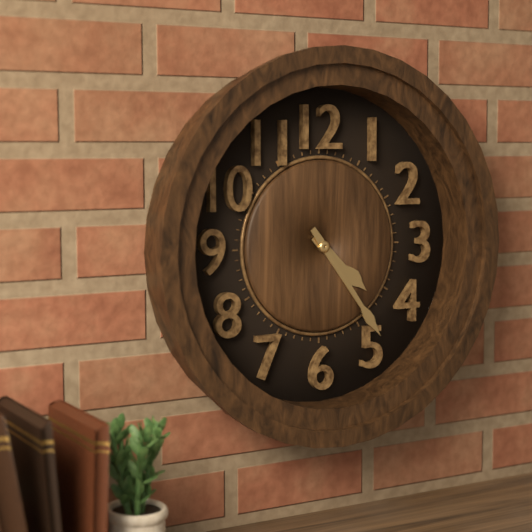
{"hour": 4, "minute": 24}
